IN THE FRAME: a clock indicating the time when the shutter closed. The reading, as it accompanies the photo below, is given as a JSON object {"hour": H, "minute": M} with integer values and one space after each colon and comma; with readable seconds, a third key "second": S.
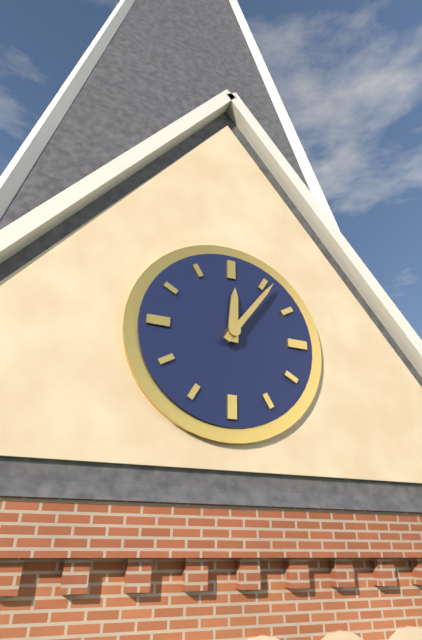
{"hour": 12, "minute": 6}
